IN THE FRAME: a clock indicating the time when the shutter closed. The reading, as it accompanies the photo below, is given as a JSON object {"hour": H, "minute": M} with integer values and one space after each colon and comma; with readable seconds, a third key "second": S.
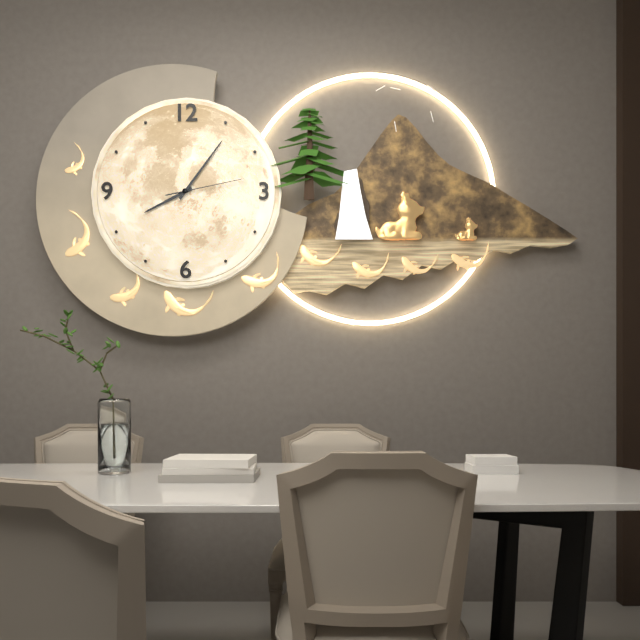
{"hour": 8, "minute": 6, "second": 13}
